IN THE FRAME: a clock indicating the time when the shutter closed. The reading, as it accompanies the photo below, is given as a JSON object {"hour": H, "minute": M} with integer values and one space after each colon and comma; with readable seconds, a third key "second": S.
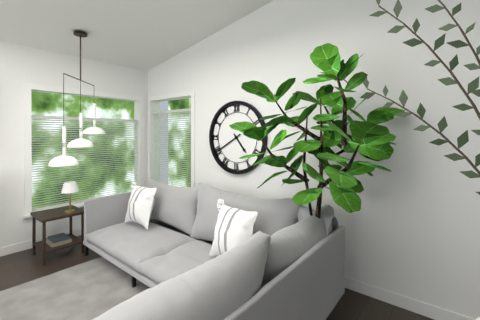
{"hour": 4, "minute": 40}
